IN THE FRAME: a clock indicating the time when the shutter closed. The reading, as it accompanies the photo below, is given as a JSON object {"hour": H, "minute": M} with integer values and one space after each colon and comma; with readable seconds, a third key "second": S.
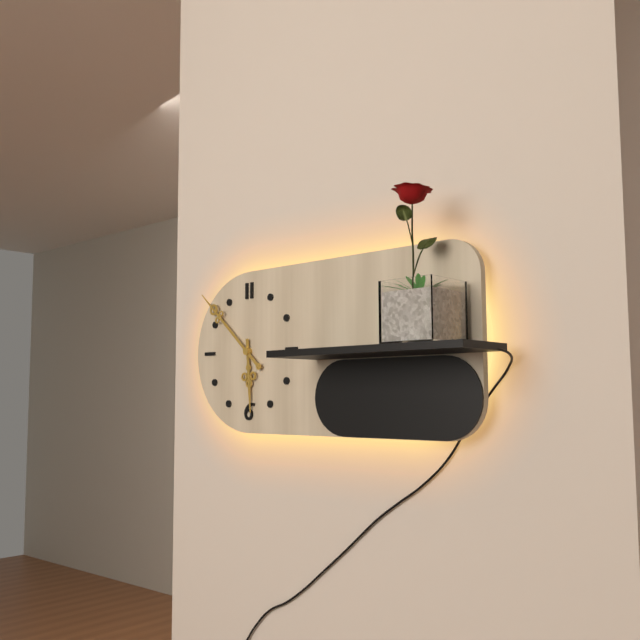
{"hour": 5, "minute": 52}
